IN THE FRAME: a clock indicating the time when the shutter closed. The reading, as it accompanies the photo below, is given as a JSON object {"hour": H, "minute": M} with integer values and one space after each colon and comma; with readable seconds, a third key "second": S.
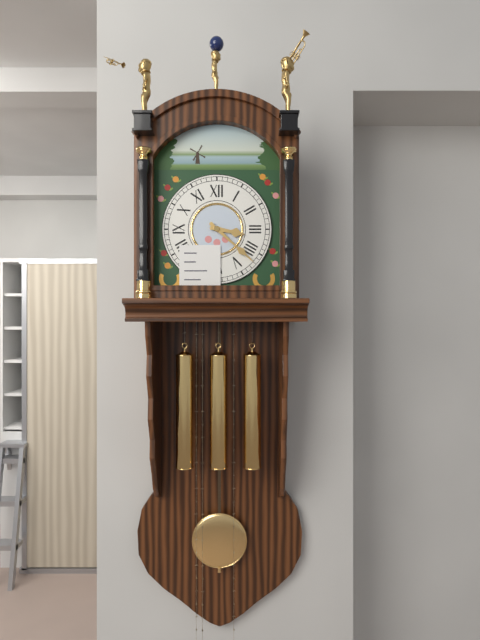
{"hour": 3, "minute": 22}
